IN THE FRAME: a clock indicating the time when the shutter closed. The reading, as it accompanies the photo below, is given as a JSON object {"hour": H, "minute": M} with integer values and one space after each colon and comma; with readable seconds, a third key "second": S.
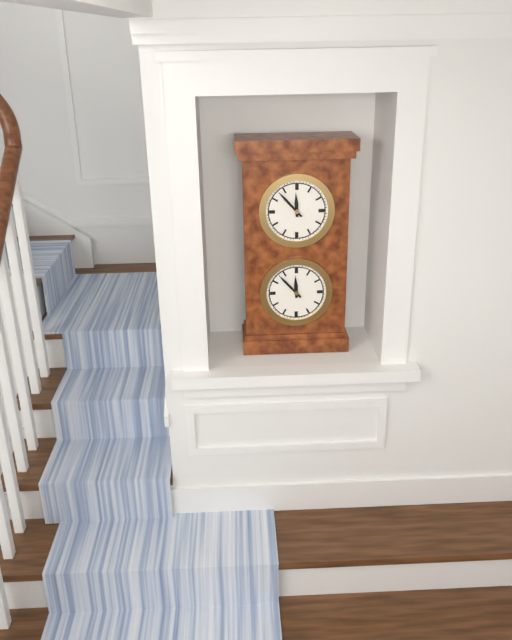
{"hour": 11, "minute": 53}
